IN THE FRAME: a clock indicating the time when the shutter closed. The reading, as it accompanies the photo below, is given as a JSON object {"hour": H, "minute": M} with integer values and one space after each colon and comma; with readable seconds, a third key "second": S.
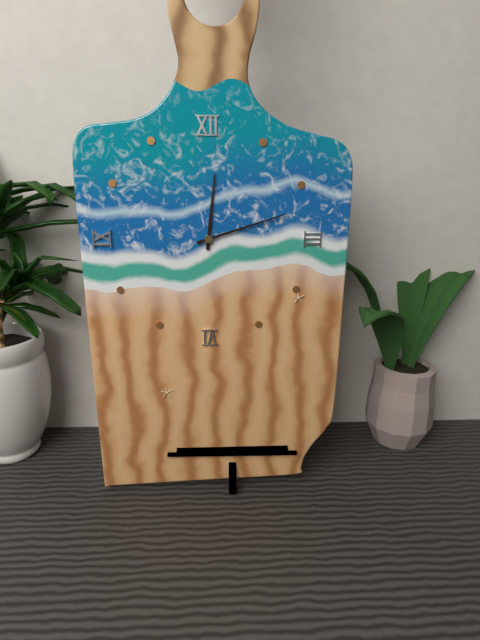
{"hour": 12, "minute": 12}
